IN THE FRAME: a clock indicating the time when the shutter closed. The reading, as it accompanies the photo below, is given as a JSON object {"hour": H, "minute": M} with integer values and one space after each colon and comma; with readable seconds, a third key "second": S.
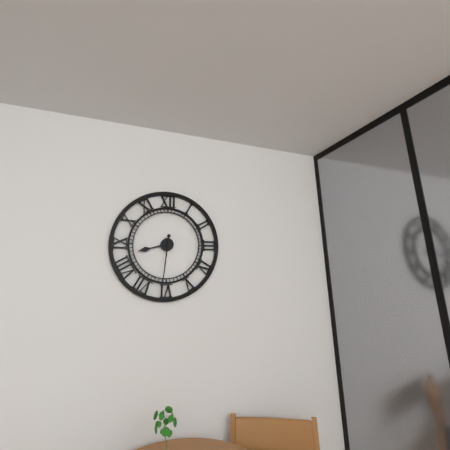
{"hour": 8, "minute": 31}
